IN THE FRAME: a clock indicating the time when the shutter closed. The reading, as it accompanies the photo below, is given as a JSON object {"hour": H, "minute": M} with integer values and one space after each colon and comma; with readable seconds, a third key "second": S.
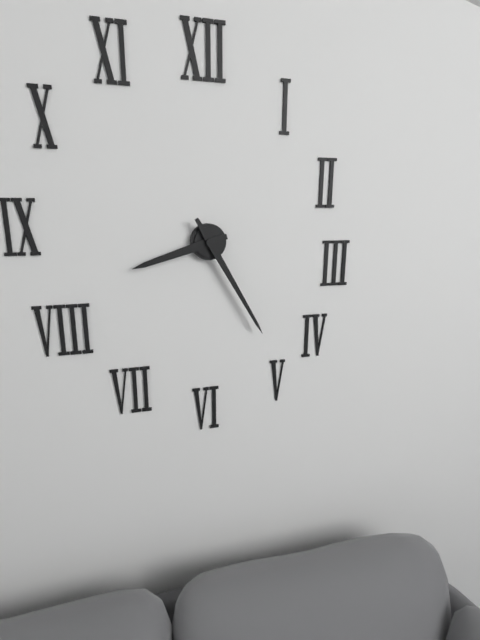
{"hour": 8, "minute": 25}
